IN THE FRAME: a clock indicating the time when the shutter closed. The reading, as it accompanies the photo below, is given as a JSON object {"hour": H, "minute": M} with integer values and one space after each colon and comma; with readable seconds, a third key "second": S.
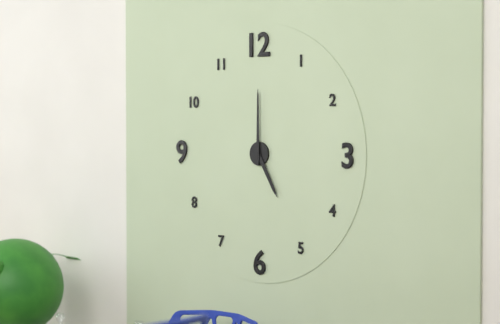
{"hour": 5, "minute": 0}
